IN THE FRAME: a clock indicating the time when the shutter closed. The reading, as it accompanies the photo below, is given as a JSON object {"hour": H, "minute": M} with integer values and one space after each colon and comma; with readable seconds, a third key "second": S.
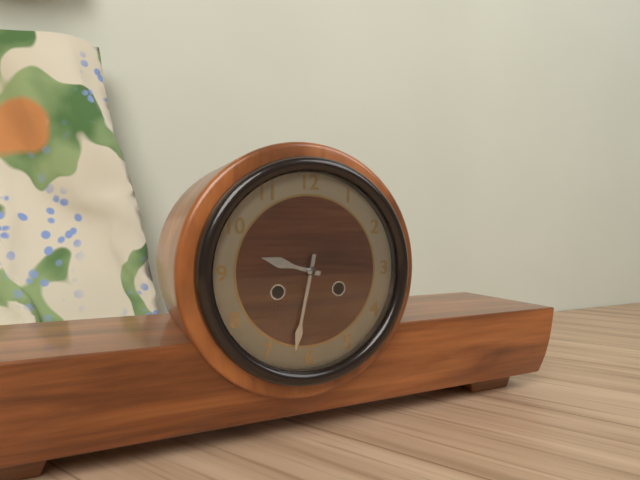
{"hour": 9, "minute": 32}
